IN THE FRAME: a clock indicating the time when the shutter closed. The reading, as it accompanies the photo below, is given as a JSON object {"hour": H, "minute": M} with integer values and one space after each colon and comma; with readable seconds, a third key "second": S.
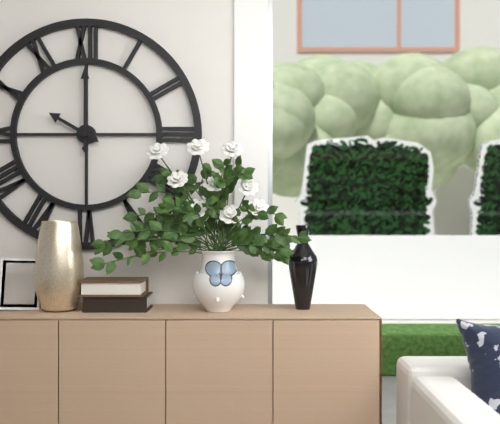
{"hour": 10, "minute": 0}
